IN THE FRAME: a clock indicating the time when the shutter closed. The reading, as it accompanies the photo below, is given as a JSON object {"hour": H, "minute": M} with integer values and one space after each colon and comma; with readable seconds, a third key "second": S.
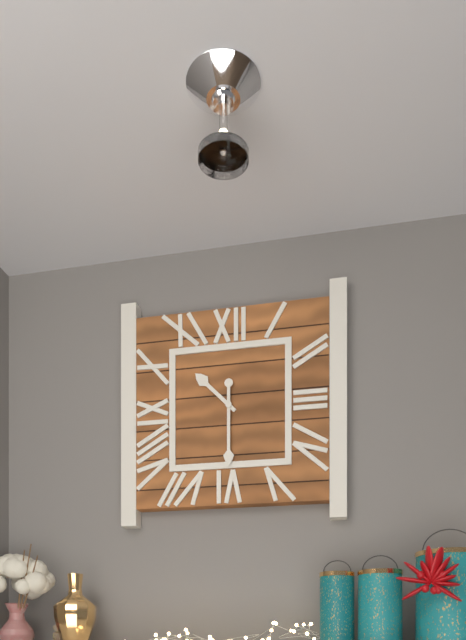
{"hour": 10, "minute": 30}
